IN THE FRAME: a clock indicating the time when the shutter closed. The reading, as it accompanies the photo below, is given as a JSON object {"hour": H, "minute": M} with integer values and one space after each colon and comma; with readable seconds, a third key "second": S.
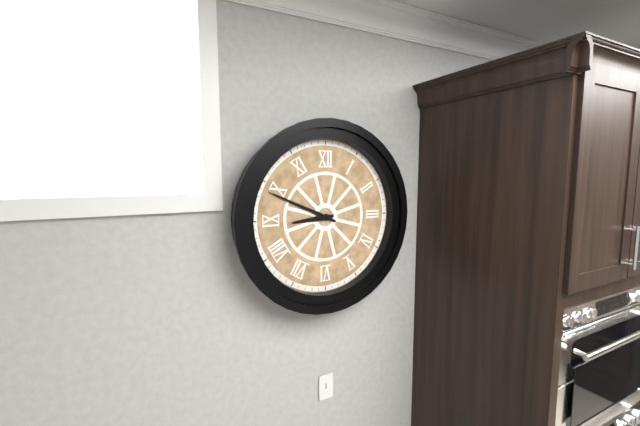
{"hour": 8, "minute": 49}
